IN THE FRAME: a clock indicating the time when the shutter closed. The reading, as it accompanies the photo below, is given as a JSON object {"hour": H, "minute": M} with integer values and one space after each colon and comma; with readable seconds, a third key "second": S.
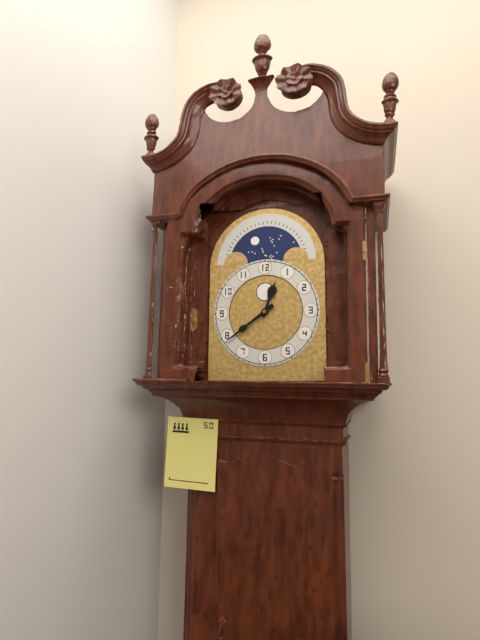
{"hour": 12, "minute": 39}
